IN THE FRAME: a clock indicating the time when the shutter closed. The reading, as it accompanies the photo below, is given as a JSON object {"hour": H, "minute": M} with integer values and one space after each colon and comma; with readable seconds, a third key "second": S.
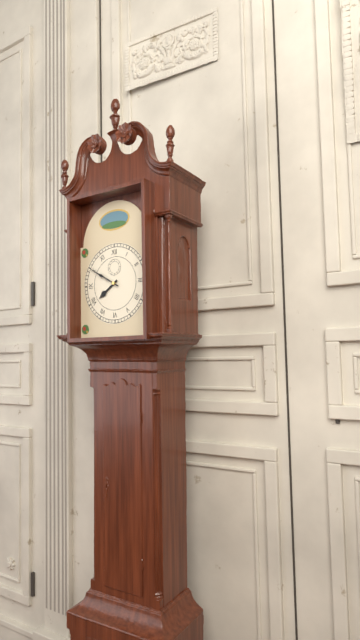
{"hour": 7, "minute": 50}
